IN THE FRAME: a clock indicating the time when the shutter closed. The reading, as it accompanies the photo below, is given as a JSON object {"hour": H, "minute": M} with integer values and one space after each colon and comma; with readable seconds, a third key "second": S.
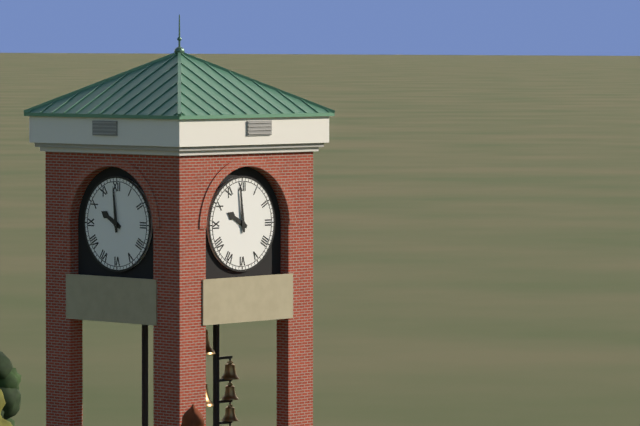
{"hour": 9, "minute": 59}
